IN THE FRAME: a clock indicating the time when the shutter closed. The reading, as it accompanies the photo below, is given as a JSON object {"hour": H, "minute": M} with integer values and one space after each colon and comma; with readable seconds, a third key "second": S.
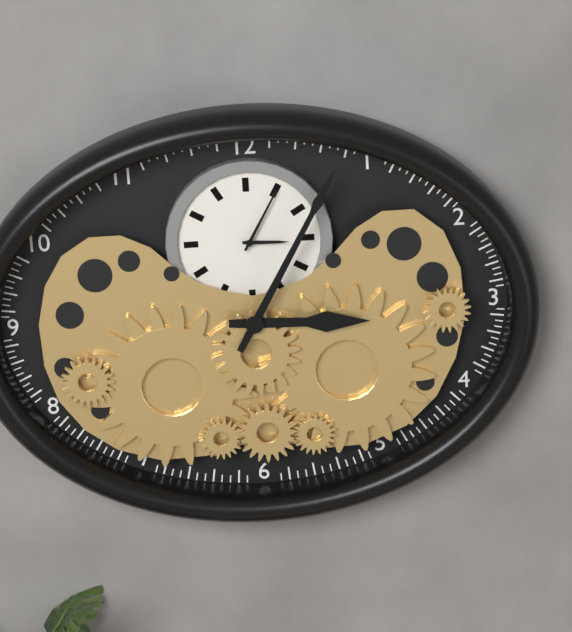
{"hour": 3, "minute": 5}
